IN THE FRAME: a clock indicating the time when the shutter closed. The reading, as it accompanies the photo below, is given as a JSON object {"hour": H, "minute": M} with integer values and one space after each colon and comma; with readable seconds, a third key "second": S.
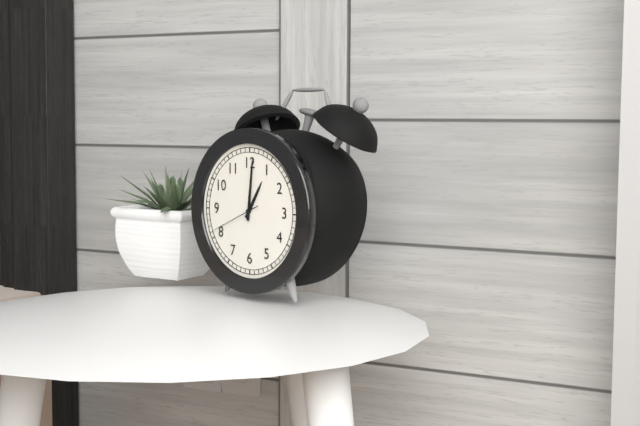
{"hour": 1, "minute": 1, "second": 41}
